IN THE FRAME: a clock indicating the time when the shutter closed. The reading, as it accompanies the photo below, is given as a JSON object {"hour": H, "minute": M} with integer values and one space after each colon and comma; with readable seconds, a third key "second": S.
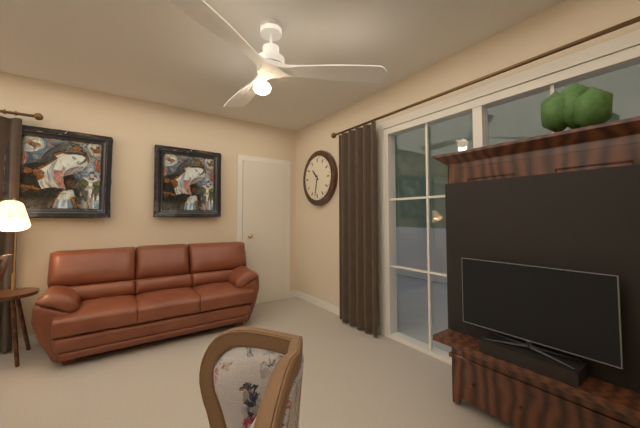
{"hour": 10, "minute": 32}
